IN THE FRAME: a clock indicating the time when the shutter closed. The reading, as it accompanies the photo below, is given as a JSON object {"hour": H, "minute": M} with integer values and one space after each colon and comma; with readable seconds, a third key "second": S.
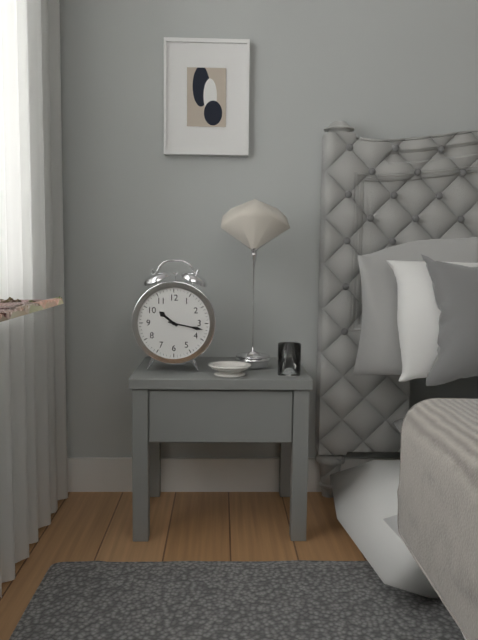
{"hour": 10, "minute": 17}
